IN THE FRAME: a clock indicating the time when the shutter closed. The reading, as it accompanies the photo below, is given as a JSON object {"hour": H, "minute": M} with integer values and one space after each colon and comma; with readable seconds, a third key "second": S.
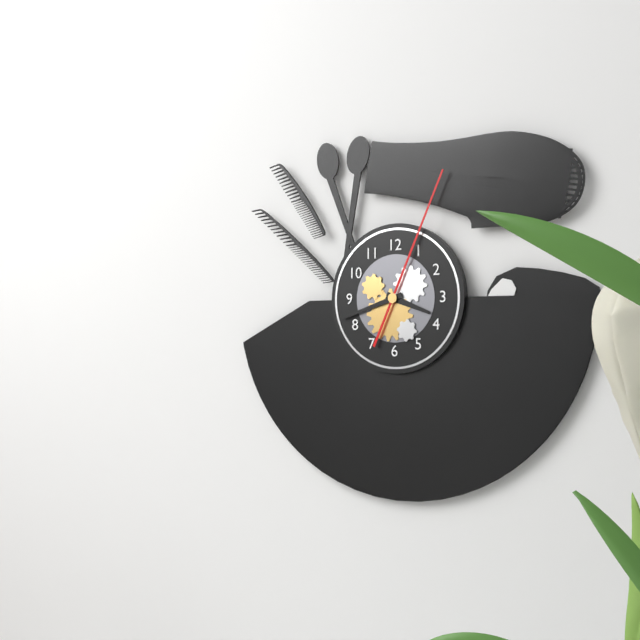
{"hour": 3, "minute": 42, "second": 4}
